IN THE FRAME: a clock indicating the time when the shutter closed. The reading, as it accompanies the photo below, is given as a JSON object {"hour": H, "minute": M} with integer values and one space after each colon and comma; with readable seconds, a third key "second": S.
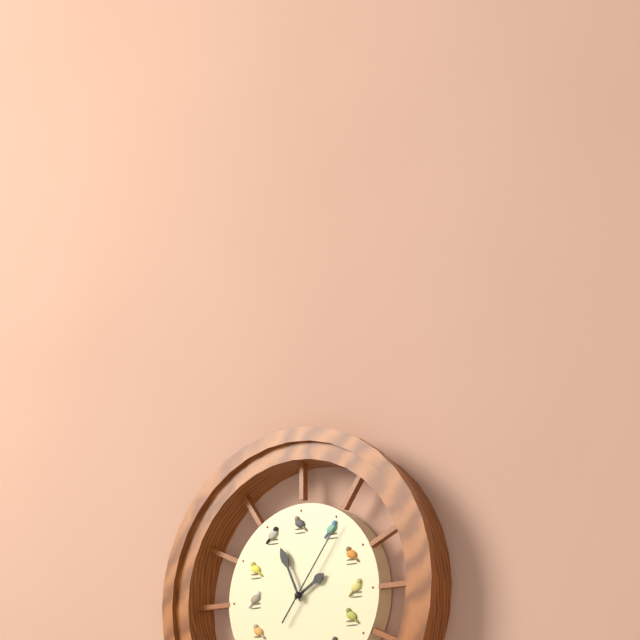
{"hour": 1, "minute": 56, "second": 6}
